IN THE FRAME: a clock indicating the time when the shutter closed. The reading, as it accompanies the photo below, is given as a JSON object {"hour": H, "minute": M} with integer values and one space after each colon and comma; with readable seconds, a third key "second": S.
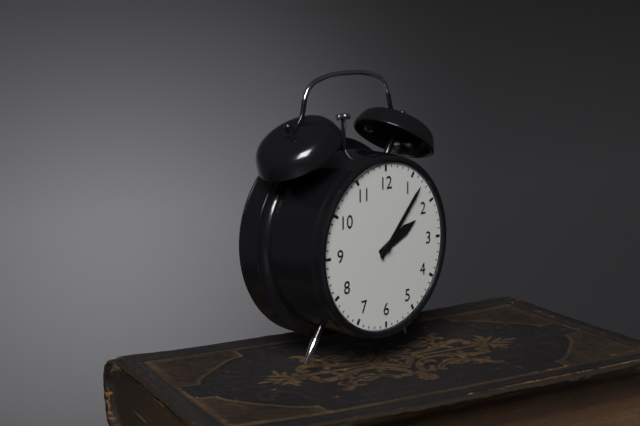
{"hour": 2, "minute": 7}
